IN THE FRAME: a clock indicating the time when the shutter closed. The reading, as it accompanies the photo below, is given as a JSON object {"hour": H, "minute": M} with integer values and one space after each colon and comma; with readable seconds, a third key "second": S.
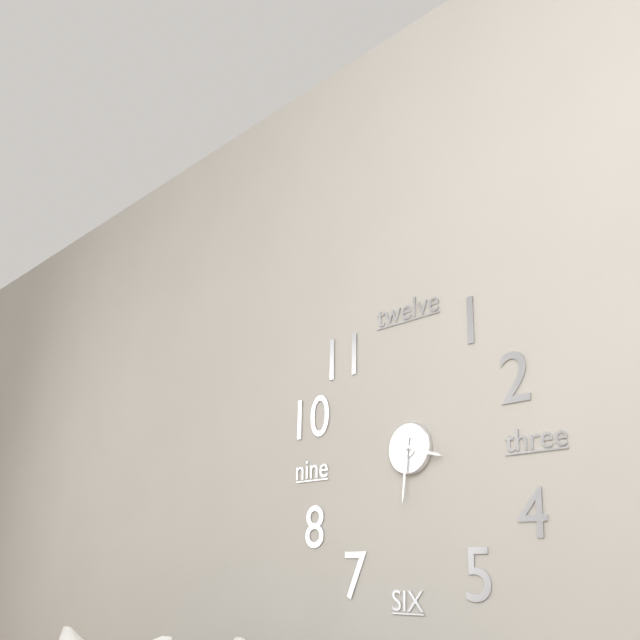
{"hour": 3, "minute": 31}
